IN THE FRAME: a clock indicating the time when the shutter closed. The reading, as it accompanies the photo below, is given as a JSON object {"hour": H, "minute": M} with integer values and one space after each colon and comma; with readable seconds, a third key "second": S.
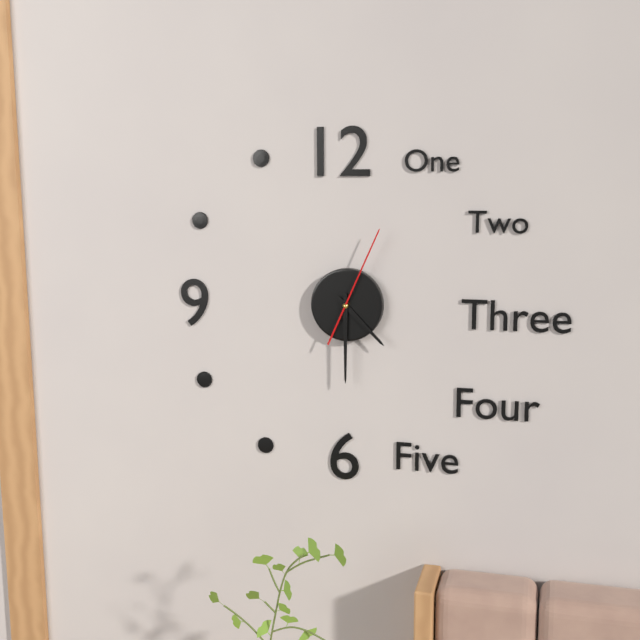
{"hour": 4, "minute": 30, "second": 4}
